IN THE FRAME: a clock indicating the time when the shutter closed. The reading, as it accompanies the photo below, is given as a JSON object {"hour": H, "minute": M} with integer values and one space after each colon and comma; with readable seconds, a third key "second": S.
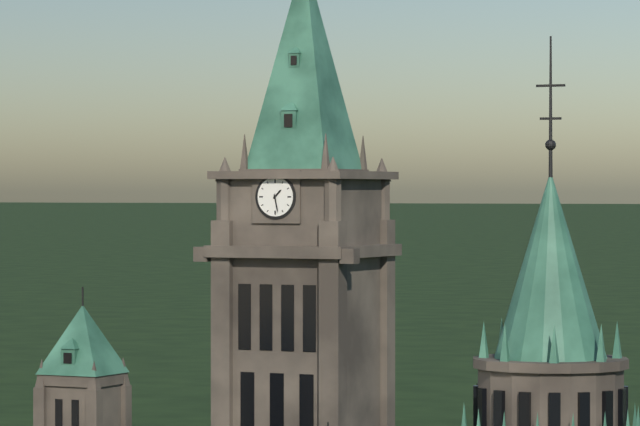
{"hour": 1, "minute": 28}
